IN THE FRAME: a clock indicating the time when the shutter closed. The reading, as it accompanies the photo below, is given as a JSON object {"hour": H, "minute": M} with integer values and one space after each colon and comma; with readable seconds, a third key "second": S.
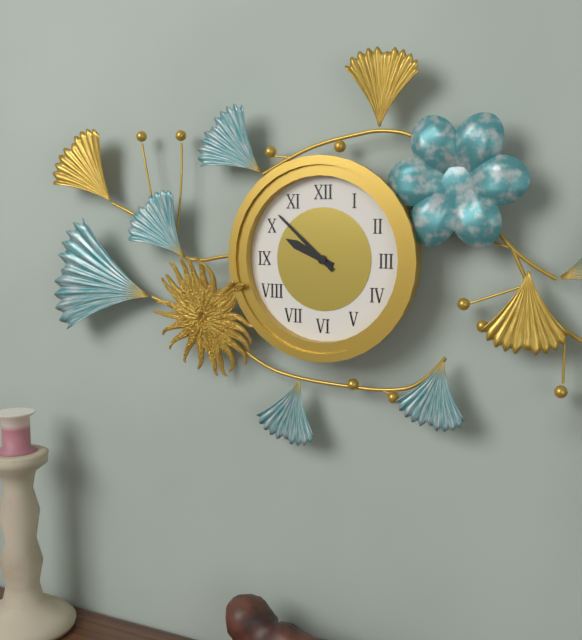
{"hour": 9, "minute": 52}
